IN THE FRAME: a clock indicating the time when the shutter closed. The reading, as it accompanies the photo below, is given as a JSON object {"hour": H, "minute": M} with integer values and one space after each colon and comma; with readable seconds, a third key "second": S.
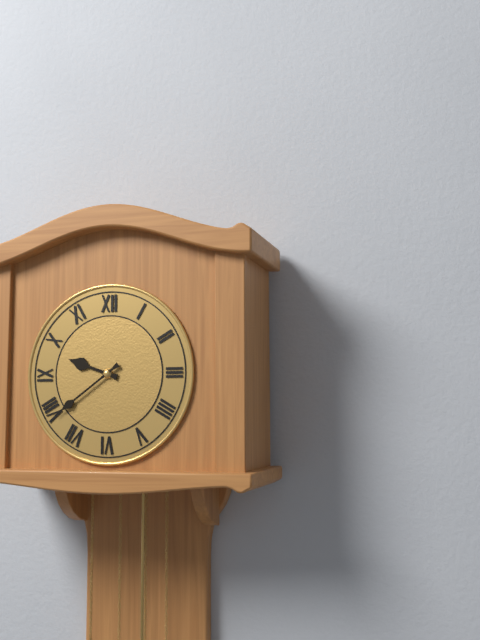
{"hour": 9, "minute": 39}
